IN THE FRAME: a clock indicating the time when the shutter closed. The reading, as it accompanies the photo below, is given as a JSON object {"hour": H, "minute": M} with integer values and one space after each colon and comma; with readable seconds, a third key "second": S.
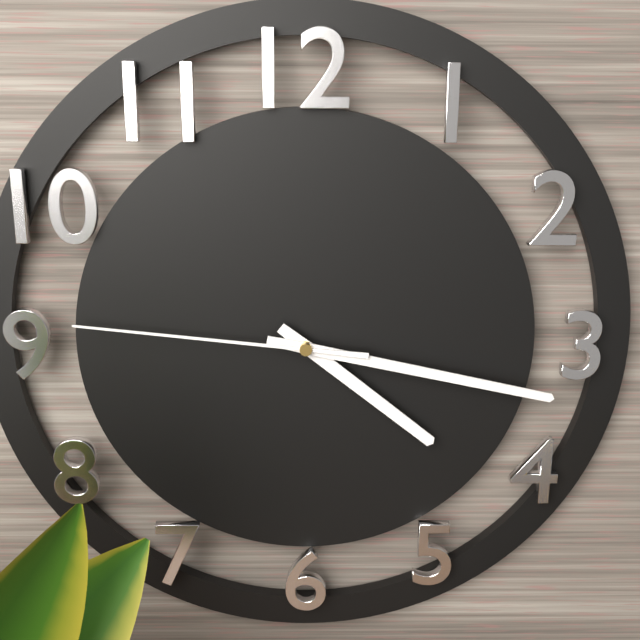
{"hour": 4, "minute": 17, "second": 46}
